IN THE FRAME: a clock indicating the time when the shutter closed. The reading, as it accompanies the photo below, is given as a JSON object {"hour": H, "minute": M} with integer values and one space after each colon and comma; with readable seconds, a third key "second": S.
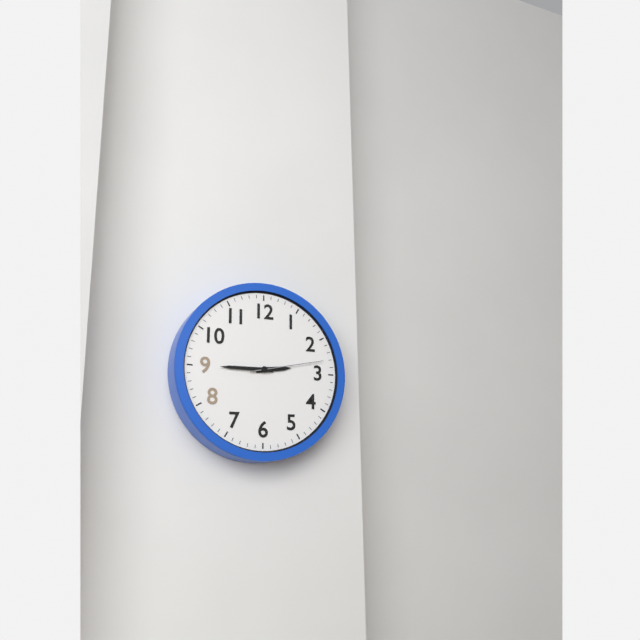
{"hour": 2, "minute": 45, "second": 13}
